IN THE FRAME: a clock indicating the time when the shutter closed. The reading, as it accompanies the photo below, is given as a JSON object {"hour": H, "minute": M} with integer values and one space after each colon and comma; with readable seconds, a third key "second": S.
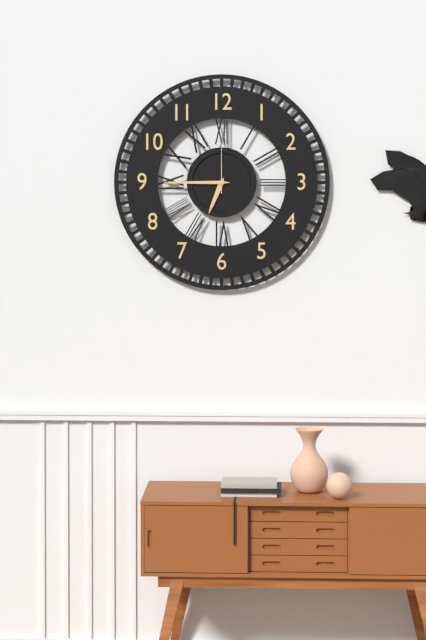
{"hour": 6, "minute": 45, "second": 0}
